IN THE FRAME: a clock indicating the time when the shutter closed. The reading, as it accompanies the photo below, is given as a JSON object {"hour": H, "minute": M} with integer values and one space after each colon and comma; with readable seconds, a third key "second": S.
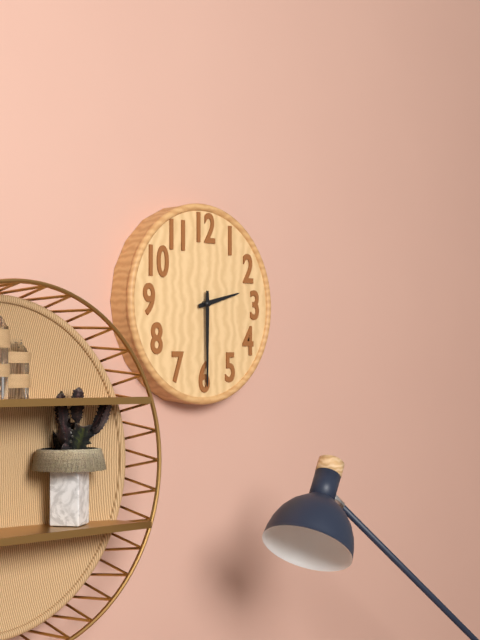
{"hour": 2, "minute": 30}
